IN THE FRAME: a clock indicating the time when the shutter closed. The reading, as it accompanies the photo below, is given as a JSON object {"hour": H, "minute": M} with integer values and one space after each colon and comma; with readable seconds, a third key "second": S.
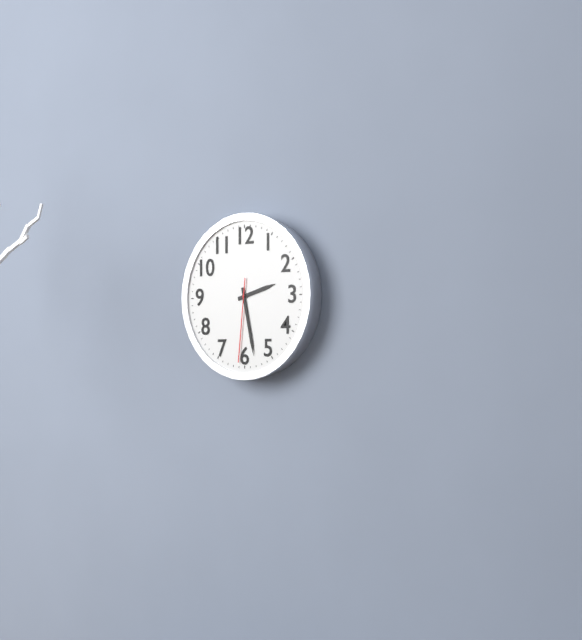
{"hour": 2, "minute": 28, "second": 31}
